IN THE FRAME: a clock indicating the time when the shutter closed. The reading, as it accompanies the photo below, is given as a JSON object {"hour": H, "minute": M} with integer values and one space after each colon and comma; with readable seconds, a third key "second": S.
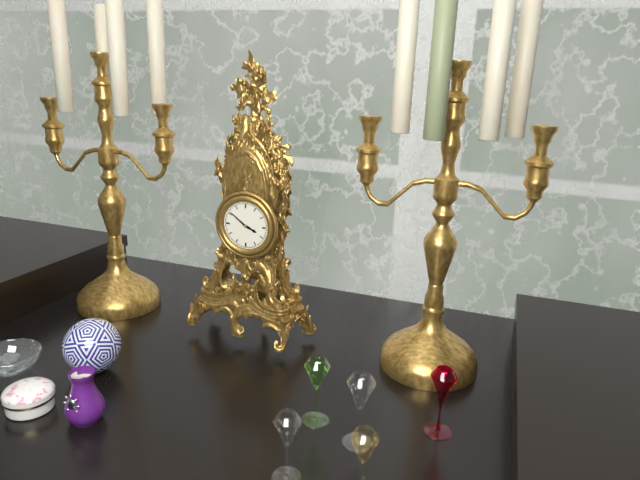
{"hour": 3, "minute": 51}
